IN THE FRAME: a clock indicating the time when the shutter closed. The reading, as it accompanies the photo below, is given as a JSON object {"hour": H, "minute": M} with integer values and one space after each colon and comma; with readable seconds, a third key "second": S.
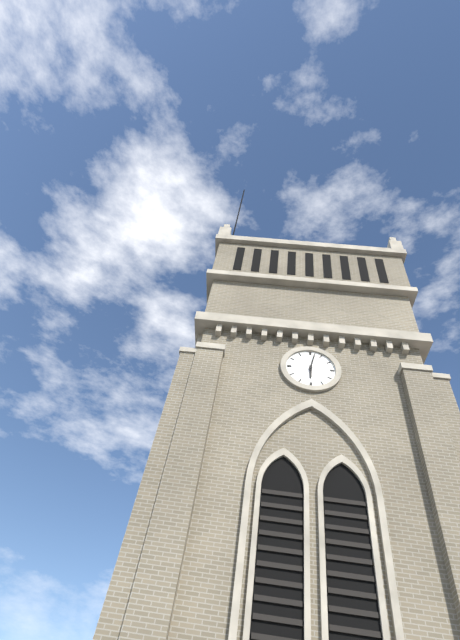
{"hour": 6, "minute": 2}
